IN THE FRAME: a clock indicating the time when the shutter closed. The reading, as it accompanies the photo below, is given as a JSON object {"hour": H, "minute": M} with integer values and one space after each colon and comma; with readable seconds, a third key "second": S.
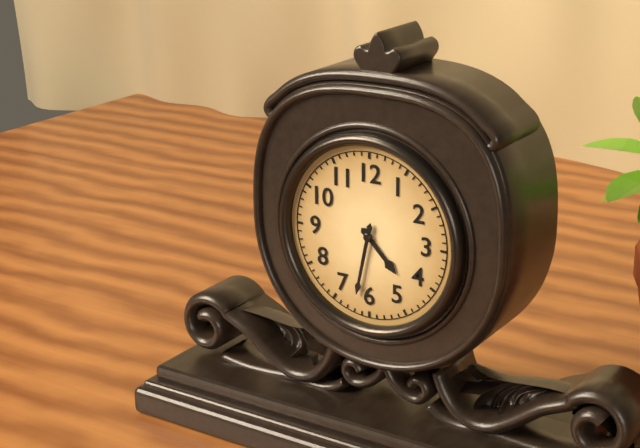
{"hour": 4, "minute": 32}
